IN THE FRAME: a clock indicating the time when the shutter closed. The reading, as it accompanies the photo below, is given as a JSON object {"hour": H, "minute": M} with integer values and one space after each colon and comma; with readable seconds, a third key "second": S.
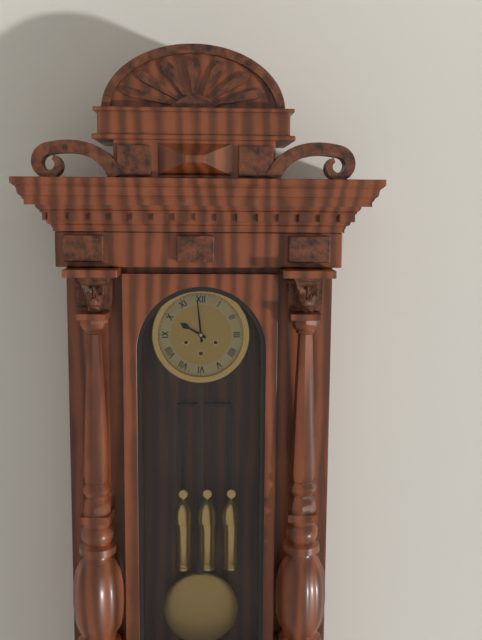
{"hour": 9, "minute": 59}
